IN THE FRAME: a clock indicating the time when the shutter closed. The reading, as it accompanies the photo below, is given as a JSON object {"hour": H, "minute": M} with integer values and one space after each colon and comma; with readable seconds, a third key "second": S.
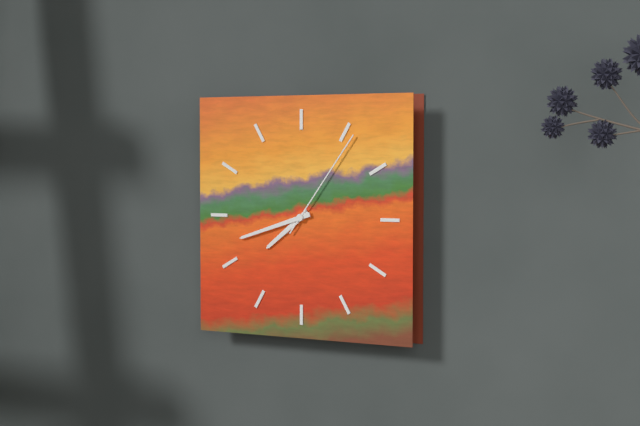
{"hour": 7, "minute": 42, "second": 6}
